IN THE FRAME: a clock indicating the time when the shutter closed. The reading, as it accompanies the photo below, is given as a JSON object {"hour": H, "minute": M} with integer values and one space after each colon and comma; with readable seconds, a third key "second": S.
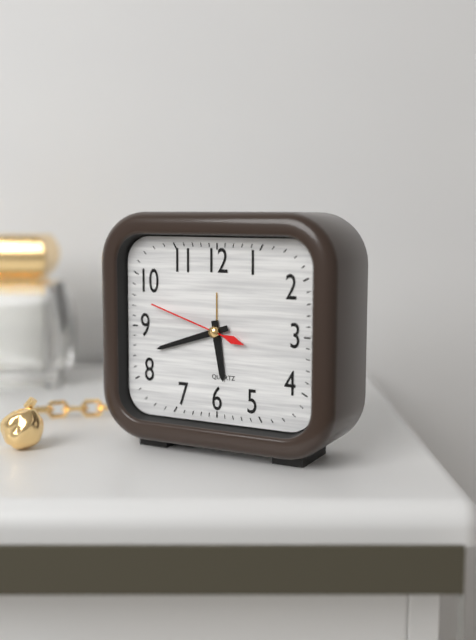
{"hour": 5, "minute": 42, "second": 48}
